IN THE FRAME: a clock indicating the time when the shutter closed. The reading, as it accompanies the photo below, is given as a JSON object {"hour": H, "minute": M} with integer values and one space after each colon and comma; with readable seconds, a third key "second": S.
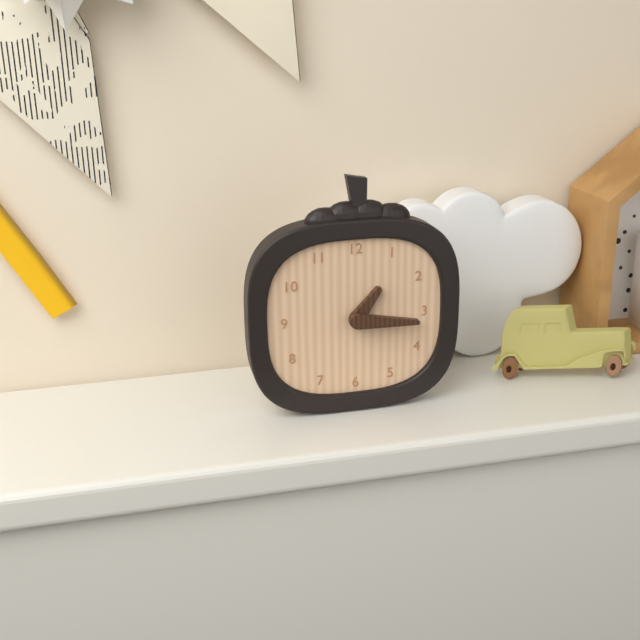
{"hour": 1, "minute": 16}
